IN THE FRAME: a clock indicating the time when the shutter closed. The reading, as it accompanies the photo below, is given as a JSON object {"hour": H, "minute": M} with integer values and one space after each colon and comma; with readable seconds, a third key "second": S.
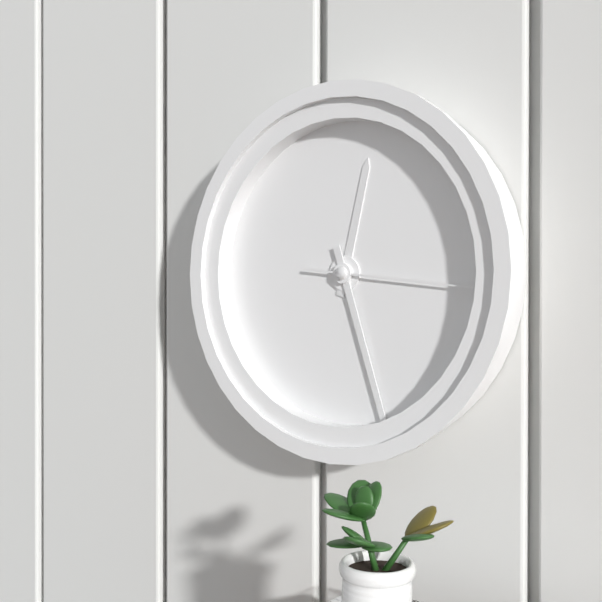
{"hour": 12, "minute": 27, "second": 16}
